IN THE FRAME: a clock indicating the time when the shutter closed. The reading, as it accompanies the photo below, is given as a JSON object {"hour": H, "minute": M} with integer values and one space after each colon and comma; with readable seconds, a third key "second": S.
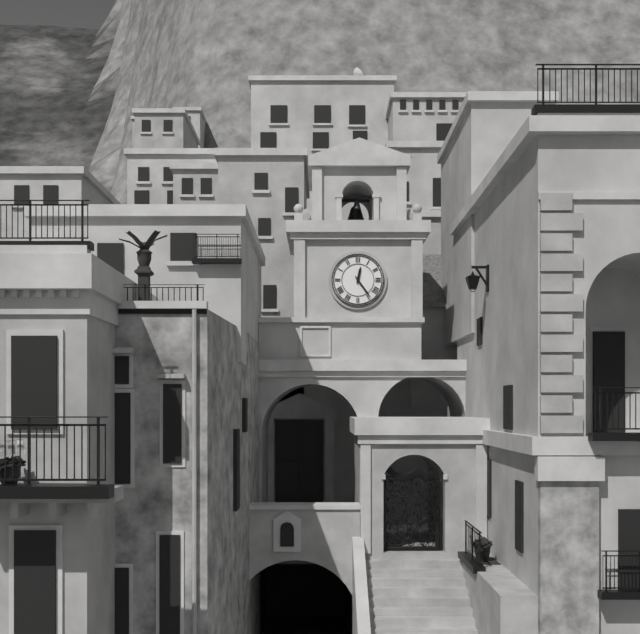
{"hour": 12, "minute": 24}
